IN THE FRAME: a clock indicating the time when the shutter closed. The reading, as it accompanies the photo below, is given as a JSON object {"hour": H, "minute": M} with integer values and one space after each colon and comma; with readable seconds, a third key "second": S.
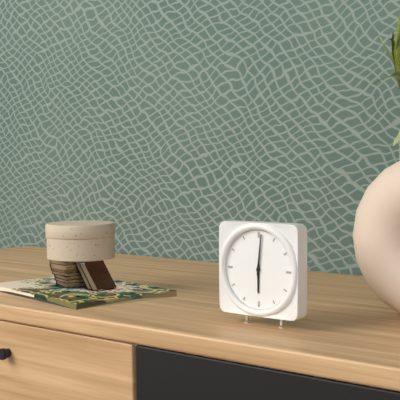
{"hour": 6, "minute": 1}
